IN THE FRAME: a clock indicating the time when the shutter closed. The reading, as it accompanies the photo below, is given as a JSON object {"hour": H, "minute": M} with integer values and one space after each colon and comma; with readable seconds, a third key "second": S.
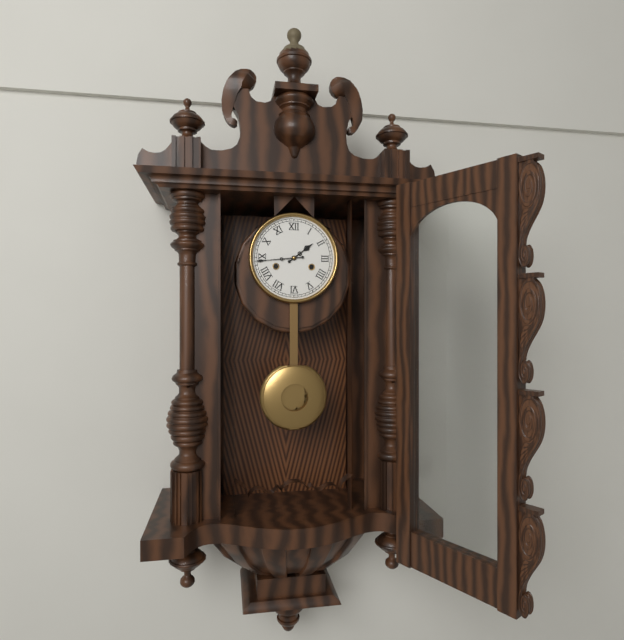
{"hour": 1, "minute": 44}
